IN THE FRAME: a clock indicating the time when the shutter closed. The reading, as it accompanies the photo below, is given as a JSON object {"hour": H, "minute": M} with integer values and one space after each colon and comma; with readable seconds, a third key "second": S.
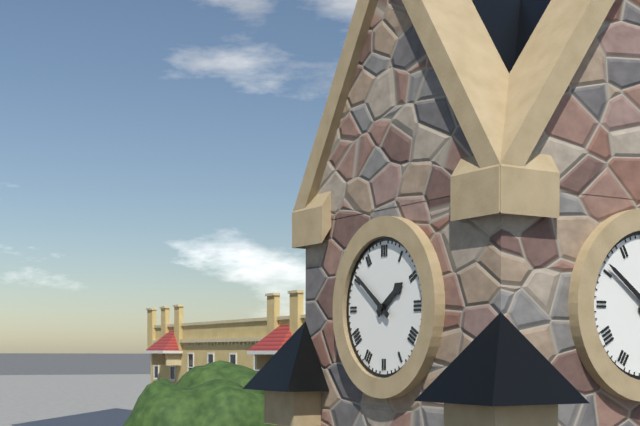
{"hour": 1, "minute": 51}
